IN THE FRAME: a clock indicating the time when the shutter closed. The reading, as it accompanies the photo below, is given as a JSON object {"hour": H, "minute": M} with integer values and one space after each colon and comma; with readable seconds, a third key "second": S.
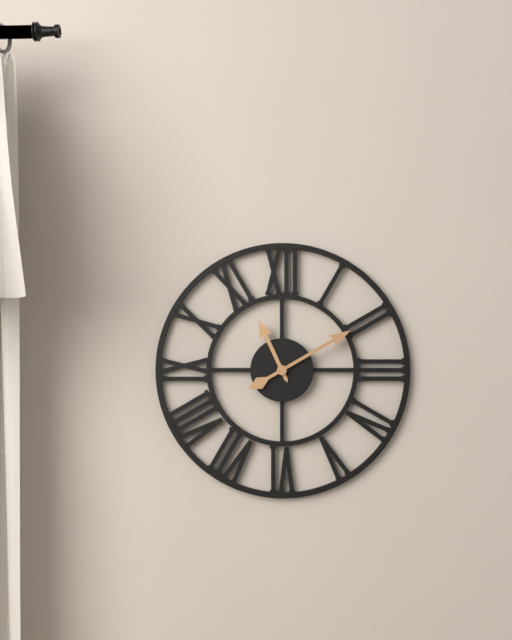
{"hour": 11, "minute": 10}
